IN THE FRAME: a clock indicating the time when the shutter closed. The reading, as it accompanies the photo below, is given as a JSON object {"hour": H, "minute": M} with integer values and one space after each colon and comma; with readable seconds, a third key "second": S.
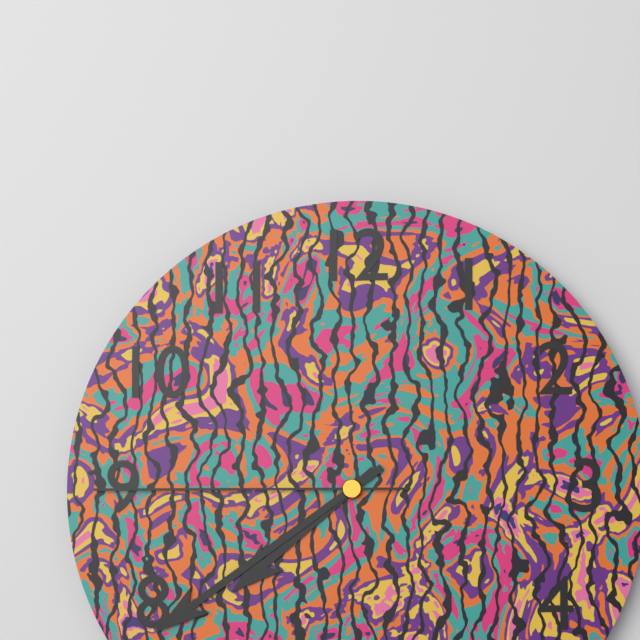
{"hour": 7, "minute": 39, "second": 45}
